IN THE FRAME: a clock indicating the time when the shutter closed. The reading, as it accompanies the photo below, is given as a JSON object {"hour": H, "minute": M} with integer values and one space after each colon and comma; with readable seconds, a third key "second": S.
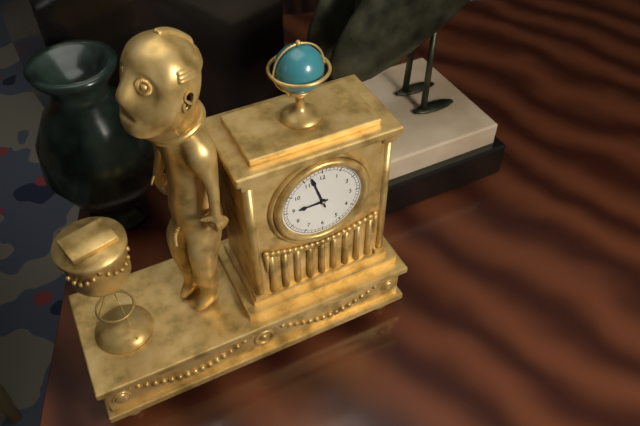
{"hour": 8, "minute": 57}
